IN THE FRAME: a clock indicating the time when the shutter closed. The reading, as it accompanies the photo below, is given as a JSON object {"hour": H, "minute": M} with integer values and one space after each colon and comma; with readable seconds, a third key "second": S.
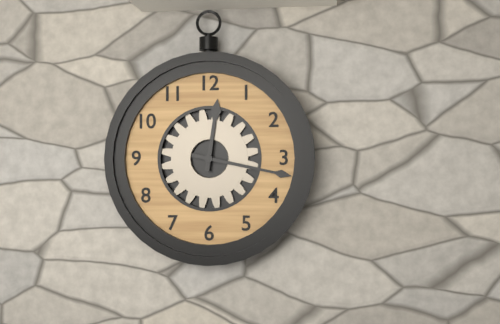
{"hour": 12, "minute": 17}
